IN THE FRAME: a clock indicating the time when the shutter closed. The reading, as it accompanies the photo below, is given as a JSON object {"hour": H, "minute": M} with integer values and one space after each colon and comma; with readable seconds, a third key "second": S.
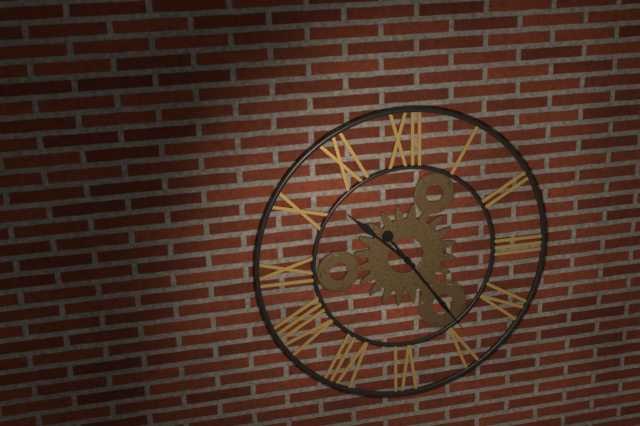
{"hour": 10, "minute": 24}
